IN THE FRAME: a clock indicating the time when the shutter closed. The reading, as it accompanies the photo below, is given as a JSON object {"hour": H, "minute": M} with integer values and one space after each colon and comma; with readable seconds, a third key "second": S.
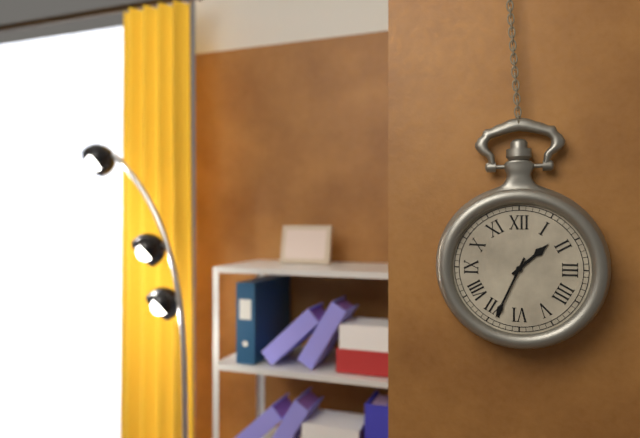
{"hour": 1, "minute": 34}
